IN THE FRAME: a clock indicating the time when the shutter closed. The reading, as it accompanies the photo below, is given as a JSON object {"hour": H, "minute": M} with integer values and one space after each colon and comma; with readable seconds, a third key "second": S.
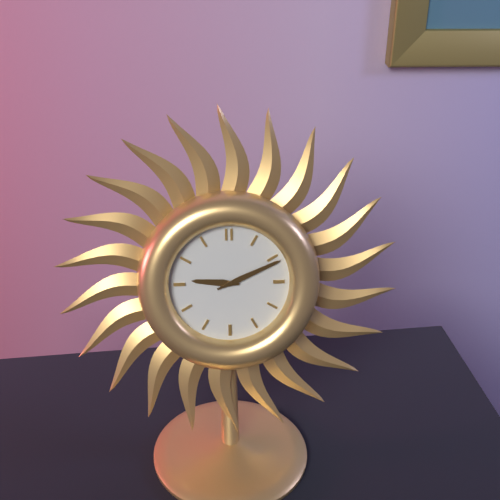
{"hour": 9, "minute": 11}
